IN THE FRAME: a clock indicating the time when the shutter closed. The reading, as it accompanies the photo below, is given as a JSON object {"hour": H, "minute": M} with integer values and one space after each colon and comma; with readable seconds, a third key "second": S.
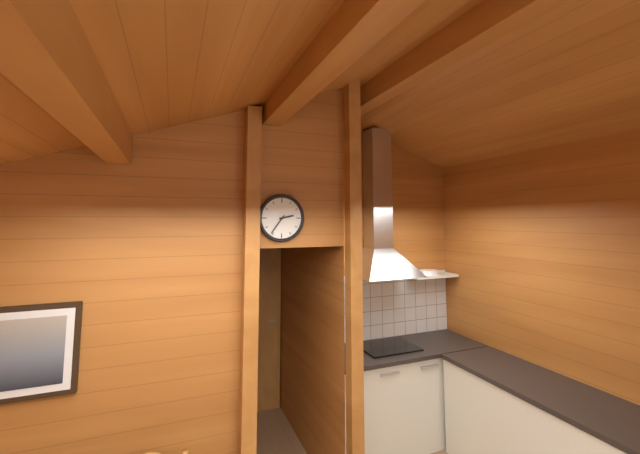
{"hour": 2, "minute": 36}
